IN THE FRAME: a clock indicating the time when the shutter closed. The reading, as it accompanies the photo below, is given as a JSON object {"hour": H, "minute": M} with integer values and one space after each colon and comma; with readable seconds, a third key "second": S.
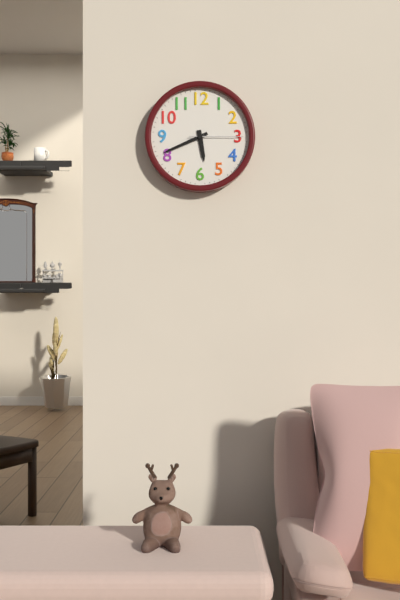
{"hour": 5, "minute": 41, "second": 15}
